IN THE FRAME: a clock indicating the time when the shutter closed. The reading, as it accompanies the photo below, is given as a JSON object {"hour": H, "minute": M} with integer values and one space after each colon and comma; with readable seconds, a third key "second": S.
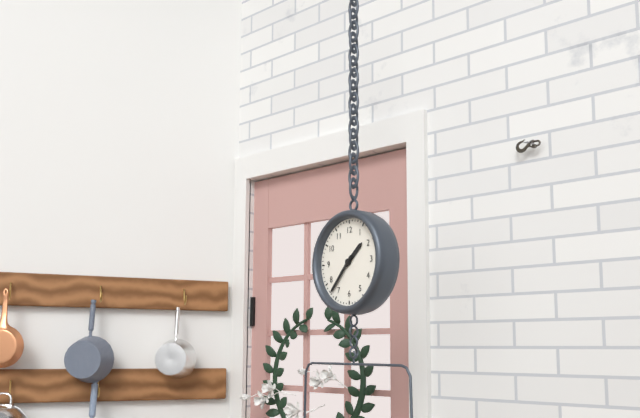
{"hour": 1, "minute": 37}
